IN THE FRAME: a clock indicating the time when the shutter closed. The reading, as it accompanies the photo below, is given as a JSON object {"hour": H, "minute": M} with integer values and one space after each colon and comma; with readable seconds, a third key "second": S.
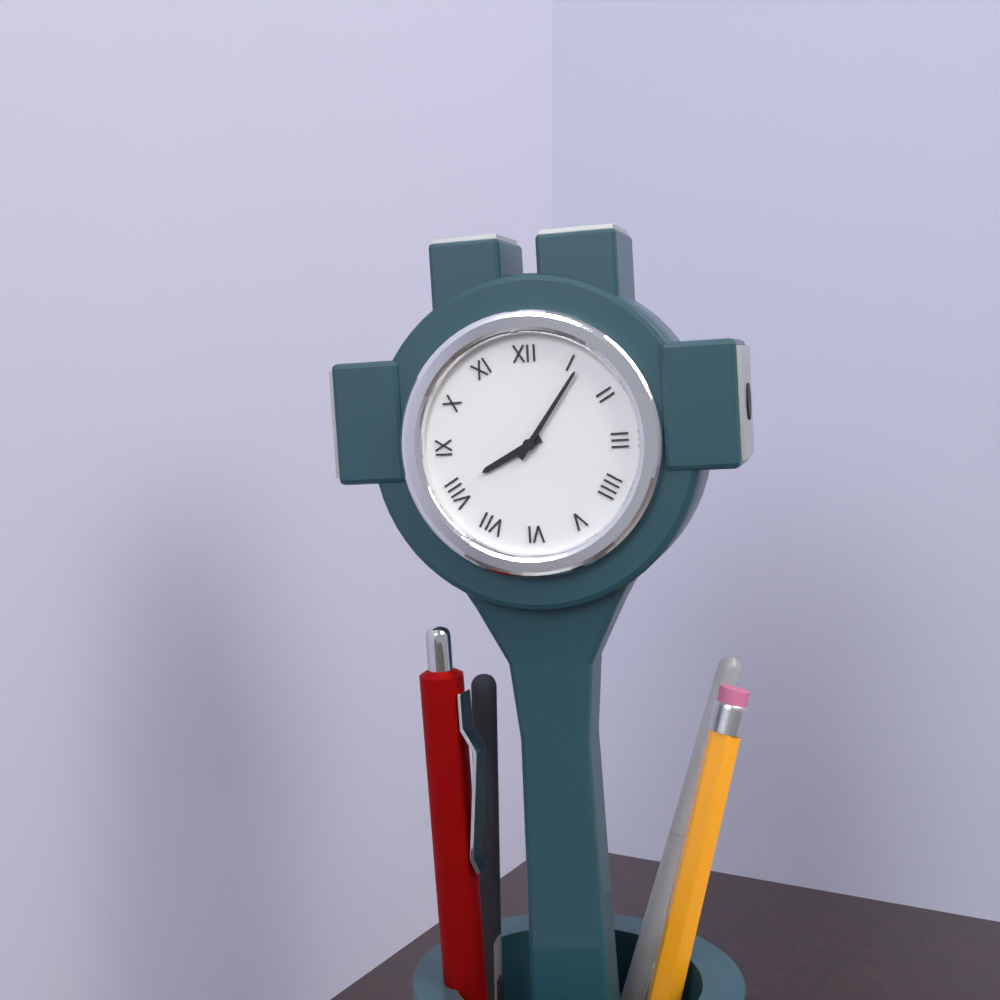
{"hour": 8, "minute": 6}
